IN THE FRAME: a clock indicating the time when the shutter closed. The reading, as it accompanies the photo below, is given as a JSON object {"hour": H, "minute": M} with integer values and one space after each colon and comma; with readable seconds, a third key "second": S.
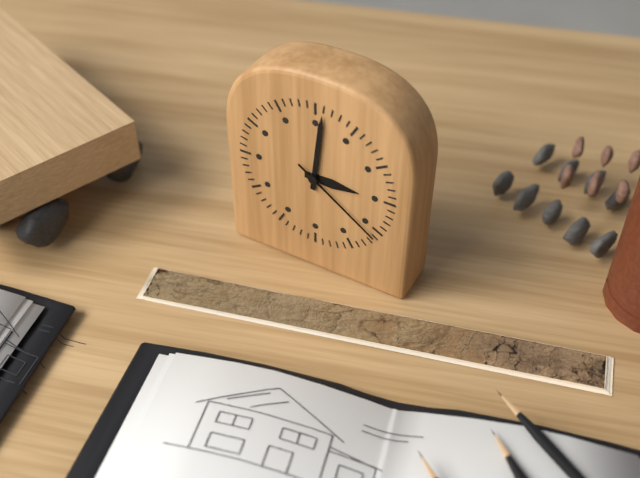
{"hour": 3, "minute": 1, "second": 21}
